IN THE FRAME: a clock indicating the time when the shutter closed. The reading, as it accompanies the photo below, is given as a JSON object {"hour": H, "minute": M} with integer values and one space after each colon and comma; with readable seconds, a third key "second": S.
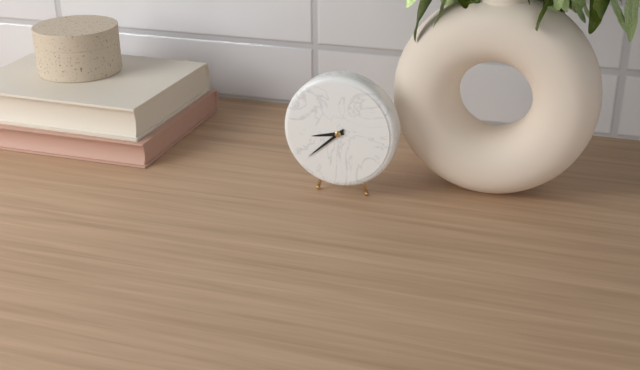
{"hour": 8, "minute": 38}
